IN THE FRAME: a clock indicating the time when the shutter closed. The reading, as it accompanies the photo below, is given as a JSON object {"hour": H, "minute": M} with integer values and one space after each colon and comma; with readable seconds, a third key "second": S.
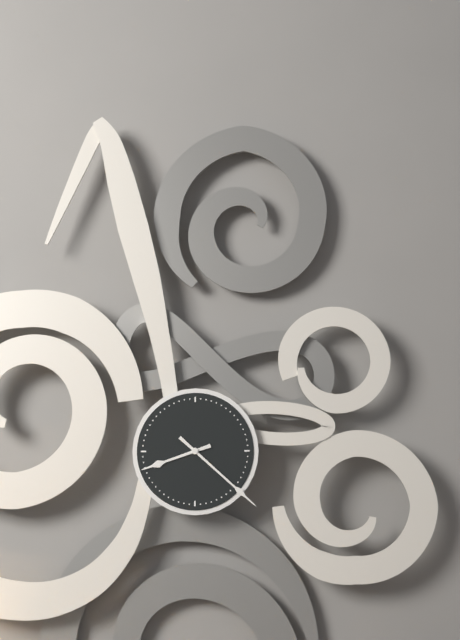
{"hour": 8, "minute": 22}
